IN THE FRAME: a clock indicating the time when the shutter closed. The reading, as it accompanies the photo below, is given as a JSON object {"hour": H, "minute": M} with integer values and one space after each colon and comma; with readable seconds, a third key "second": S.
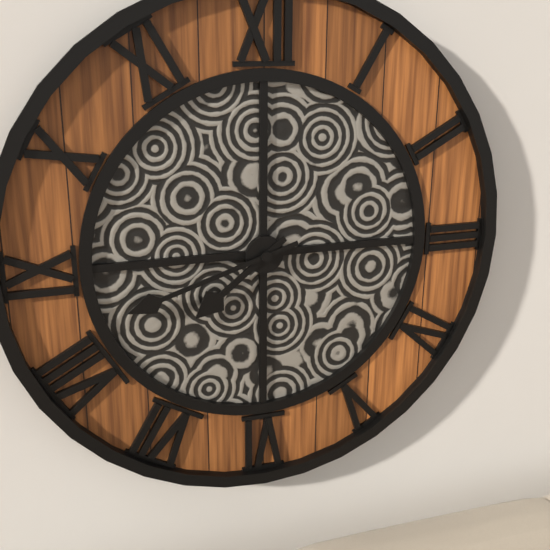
{"hour": 7, "minute": 42}
